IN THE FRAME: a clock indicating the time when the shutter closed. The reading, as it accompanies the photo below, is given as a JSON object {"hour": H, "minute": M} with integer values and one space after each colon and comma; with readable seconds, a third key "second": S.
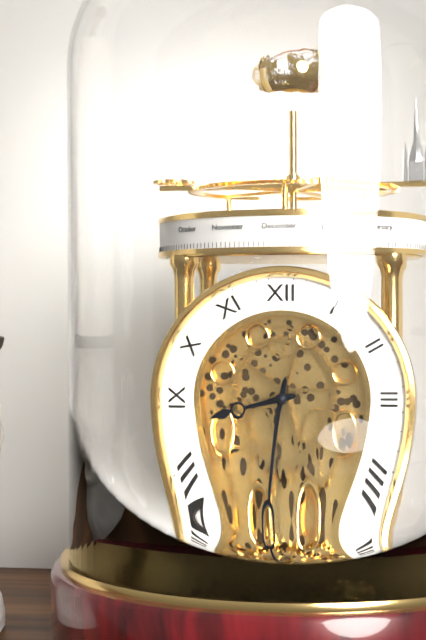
{"hour": 8, "minute": 32}
